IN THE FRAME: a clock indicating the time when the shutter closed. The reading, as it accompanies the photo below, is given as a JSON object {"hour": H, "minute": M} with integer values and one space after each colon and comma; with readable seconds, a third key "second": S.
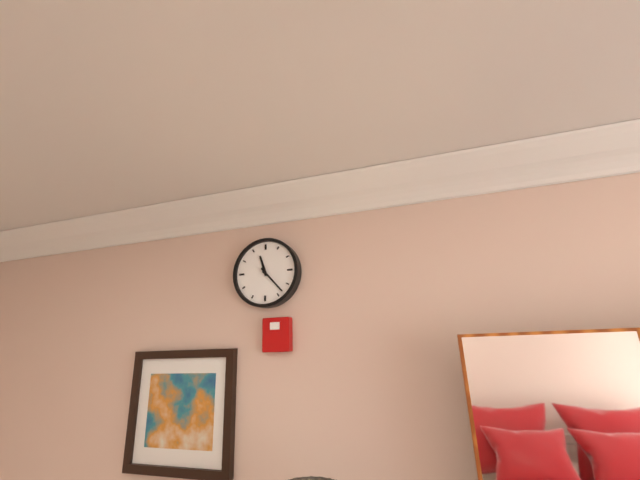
{"hour": 11, "minute": 23}
